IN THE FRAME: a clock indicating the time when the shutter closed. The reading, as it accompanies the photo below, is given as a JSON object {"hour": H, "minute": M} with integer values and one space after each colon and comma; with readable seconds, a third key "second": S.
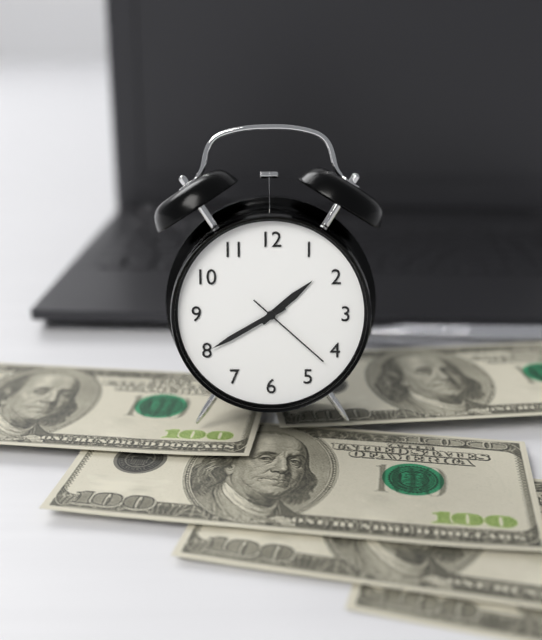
{"hour": 1, "minute": 40, "second": 22}
